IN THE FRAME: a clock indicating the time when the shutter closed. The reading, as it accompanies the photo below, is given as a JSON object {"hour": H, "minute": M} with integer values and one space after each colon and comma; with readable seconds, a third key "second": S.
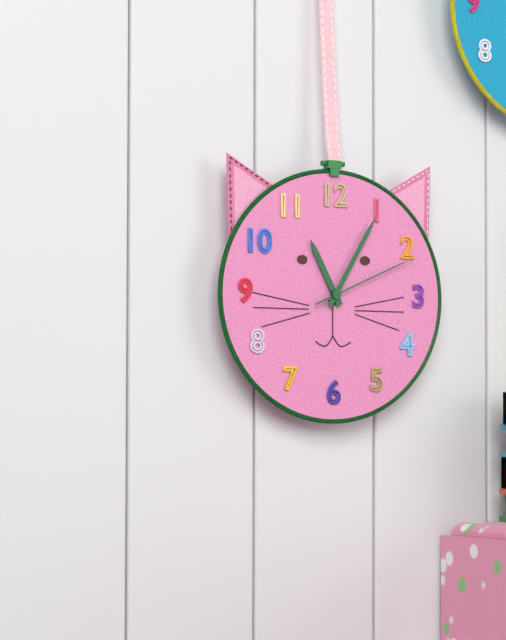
{"hour": 11, "minute": 5, "second": 11}
